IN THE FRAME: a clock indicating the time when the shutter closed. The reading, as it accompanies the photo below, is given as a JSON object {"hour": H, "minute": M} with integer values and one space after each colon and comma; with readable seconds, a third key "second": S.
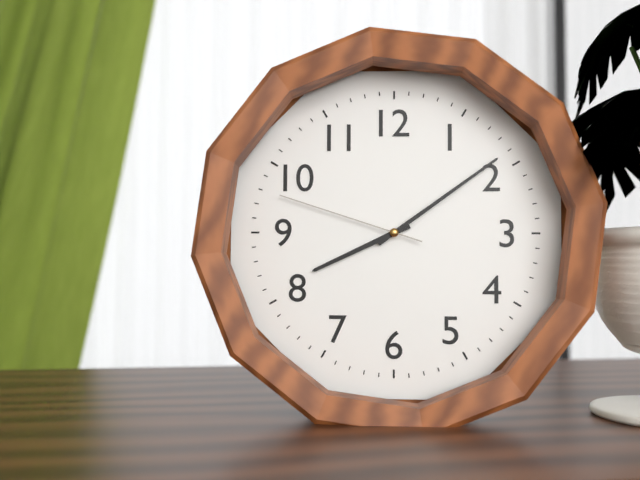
{"hour": 8, "minute": 9, "second": 48}
